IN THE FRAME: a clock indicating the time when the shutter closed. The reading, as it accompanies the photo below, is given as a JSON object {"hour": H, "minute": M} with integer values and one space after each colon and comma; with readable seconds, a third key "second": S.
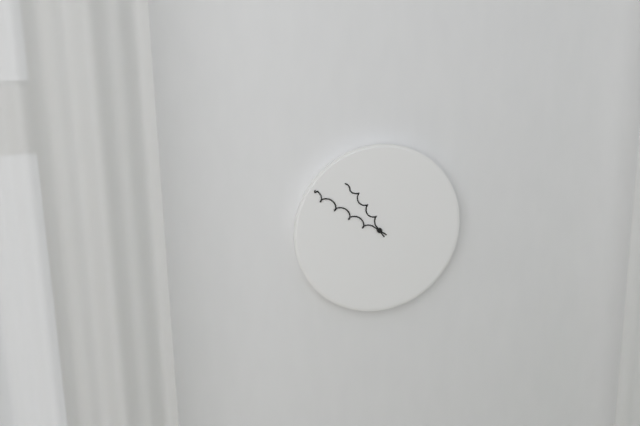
{"hour": 10, "minute": 51}
